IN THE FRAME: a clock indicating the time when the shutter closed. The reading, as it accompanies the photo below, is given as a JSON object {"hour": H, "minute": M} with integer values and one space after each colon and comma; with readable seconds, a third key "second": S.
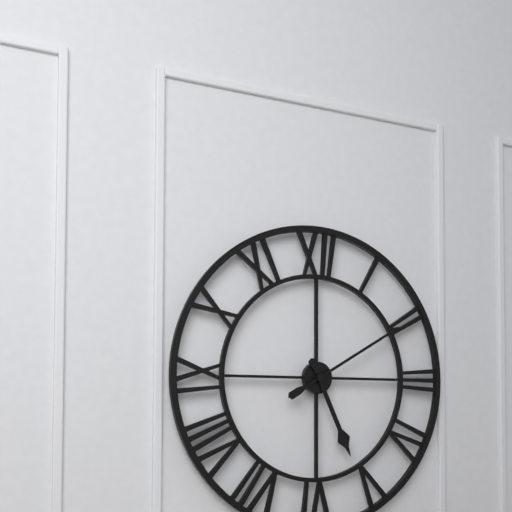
{"hour": 5, "minute": 10}
